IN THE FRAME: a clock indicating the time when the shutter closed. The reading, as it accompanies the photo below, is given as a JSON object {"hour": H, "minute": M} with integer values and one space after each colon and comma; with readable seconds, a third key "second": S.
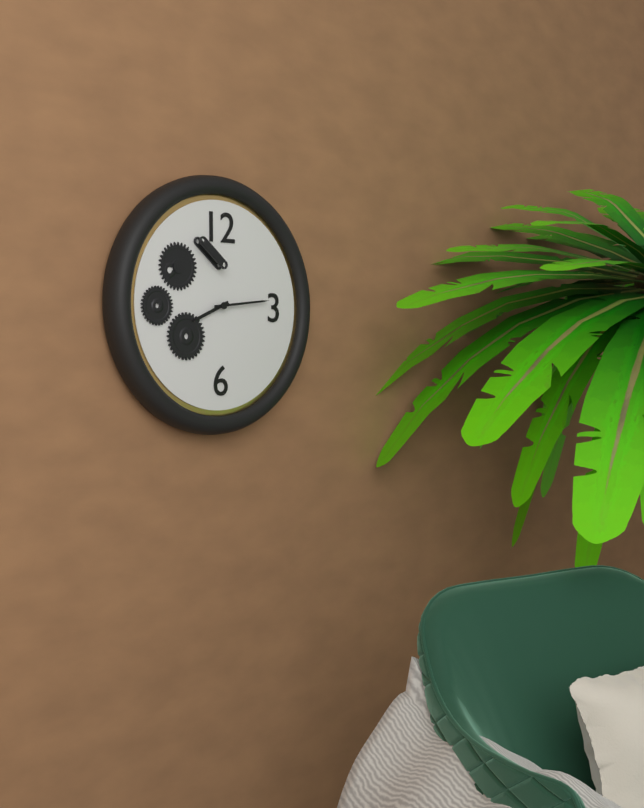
{"hour": 8, "minute": 14}
